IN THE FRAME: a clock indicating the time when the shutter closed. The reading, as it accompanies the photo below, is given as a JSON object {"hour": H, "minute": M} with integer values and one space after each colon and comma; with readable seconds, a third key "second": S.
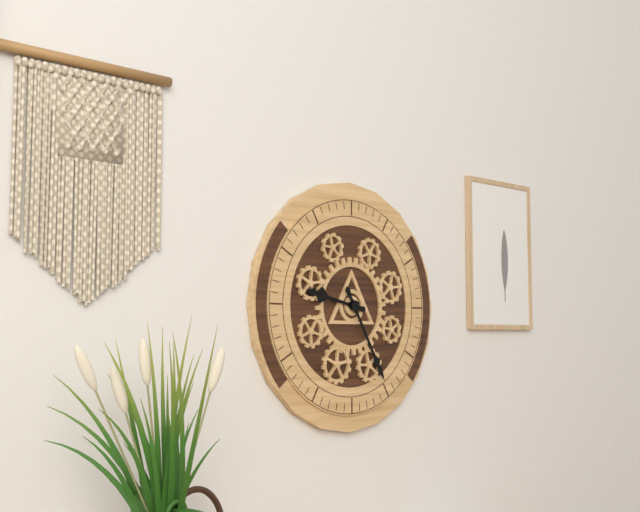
{"hour": 9, "minute": 25}
